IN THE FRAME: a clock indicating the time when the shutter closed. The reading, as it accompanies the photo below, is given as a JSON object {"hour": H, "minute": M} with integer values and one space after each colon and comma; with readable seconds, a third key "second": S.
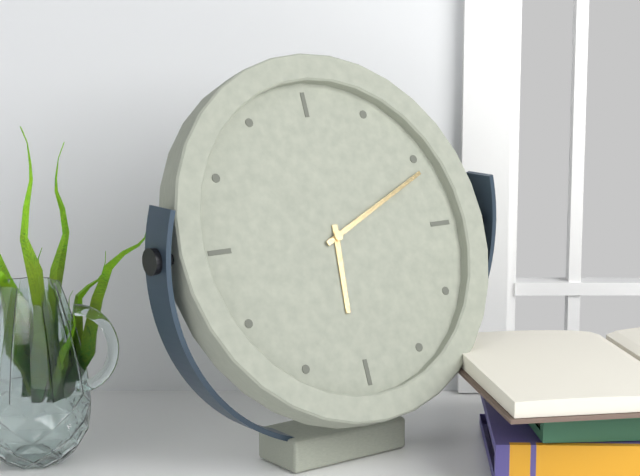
{"hour": 6, "minute": 11}
